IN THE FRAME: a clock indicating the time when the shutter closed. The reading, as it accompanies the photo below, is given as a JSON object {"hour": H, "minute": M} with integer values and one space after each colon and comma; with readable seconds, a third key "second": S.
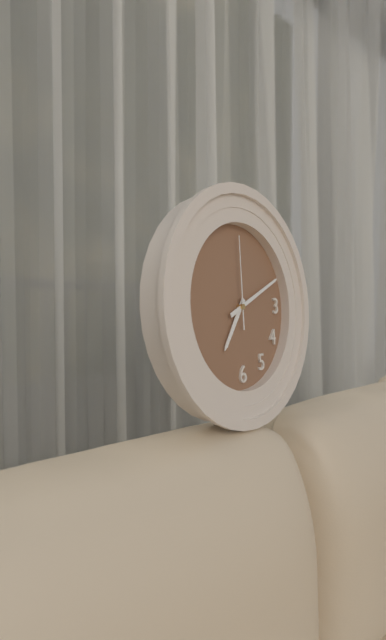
{"hour": 7, "minute": 11, "second": 0}
